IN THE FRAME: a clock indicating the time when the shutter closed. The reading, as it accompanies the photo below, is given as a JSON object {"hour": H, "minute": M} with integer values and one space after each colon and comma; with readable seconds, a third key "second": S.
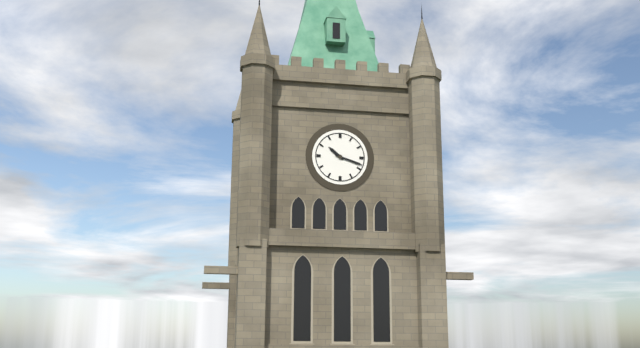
{"hour": 10, "minute": 18}
